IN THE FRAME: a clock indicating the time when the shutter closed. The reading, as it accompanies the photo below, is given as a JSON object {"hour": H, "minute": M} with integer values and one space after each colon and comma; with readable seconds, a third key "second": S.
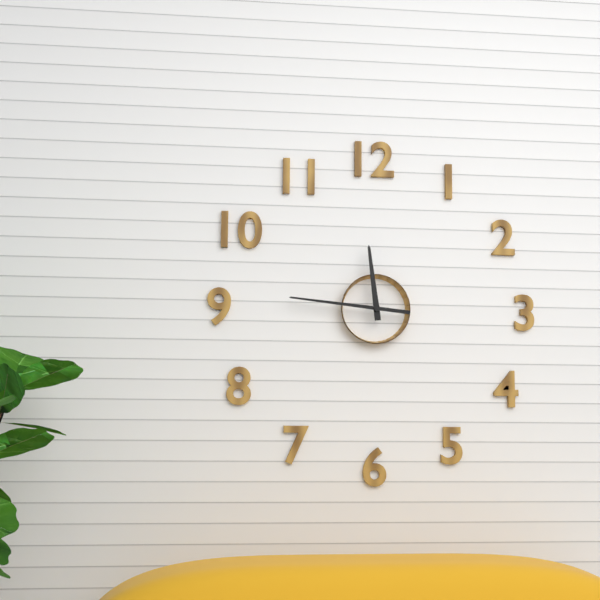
{"hour": 11, "minute": 46}
